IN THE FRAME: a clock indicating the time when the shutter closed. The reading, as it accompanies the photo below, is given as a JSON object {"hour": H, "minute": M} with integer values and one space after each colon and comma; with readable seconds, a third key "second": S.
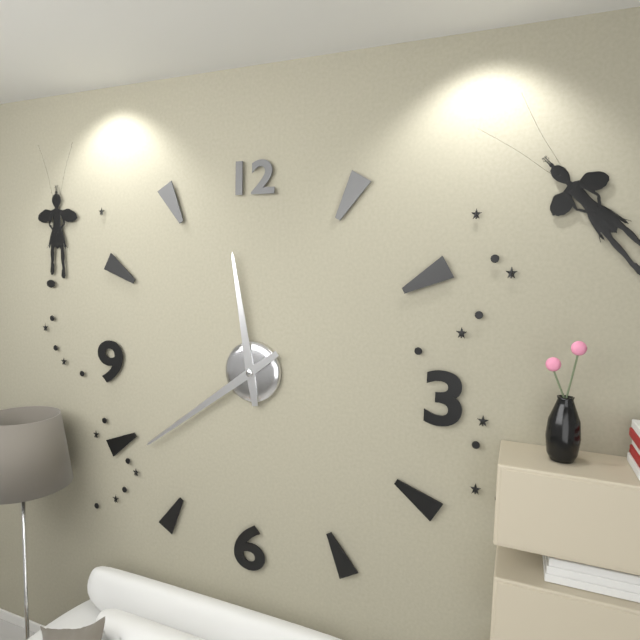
{"hour": 11, "minute": 39}
